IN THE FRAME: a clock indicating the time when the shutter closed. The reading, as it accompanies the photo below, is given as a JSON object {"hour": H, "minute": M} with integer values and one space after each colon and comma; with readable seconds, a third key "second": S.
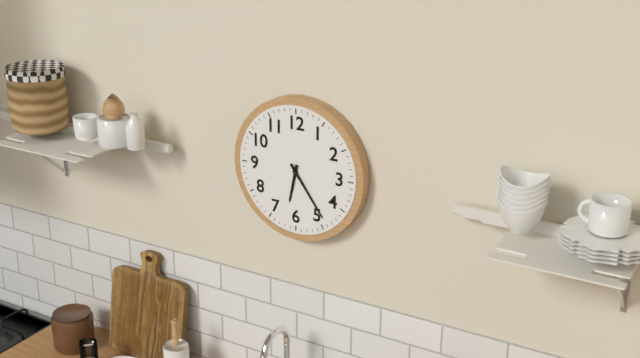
{"hour": 6, "minute": 24}
